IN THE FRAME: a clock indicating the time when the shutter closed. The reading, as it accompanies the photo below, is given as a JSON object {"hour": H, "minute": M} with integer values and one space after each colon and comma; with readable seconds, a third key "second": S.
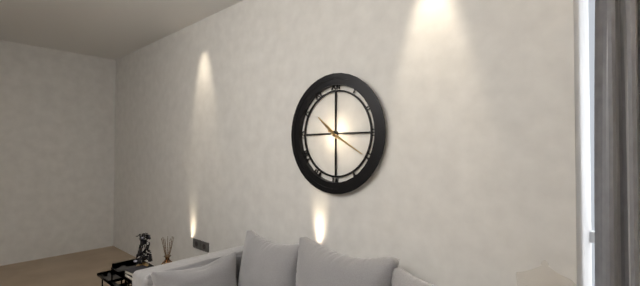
{"hour": 10, "minute": 20}
